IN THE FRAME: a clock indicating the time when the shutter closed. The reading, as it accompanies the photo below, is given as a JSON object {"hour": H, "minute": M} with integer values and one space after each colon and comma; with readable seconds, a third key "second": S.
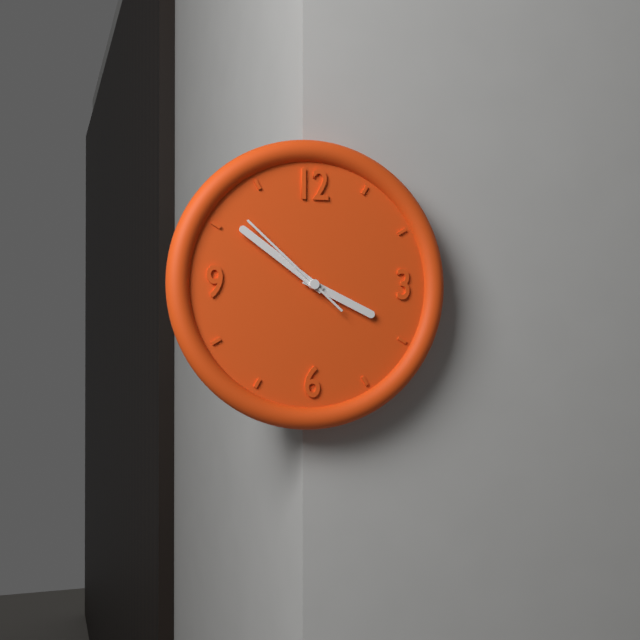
{"hour": 3, "minute": 51, "second": 52}
